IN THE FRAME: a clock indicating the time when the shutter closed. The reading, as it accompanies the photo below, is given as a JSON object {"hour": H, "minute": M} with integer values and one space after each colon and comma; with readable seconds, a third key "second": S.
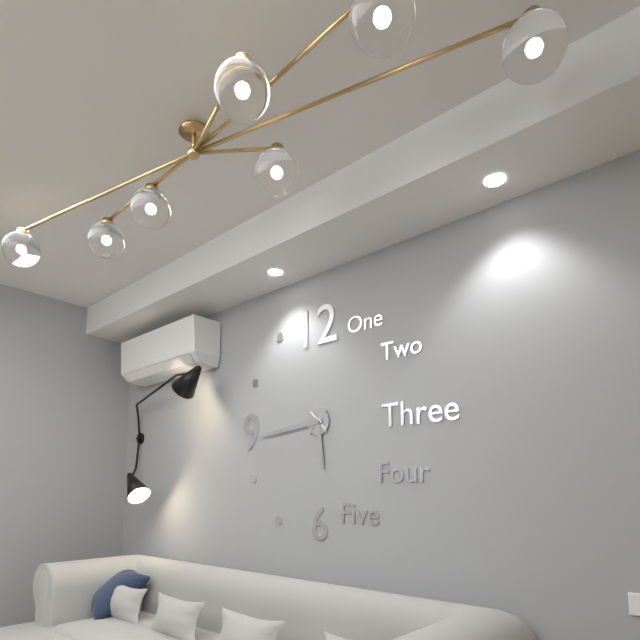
{"hour": 5, "minute": 44}
